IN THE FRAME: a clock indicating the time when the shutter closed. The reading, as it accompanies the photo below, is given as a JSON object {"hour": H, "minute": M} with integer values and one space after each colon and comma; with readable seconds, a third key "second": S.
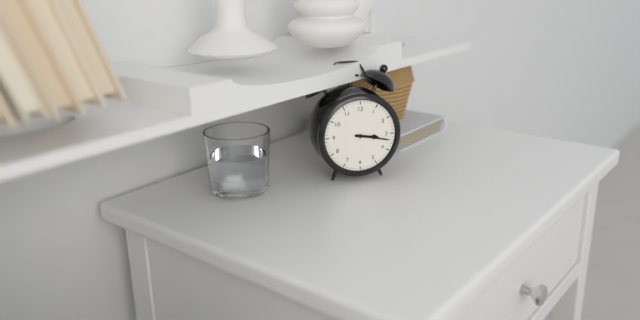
{"hour": 3, "minute": 17}
